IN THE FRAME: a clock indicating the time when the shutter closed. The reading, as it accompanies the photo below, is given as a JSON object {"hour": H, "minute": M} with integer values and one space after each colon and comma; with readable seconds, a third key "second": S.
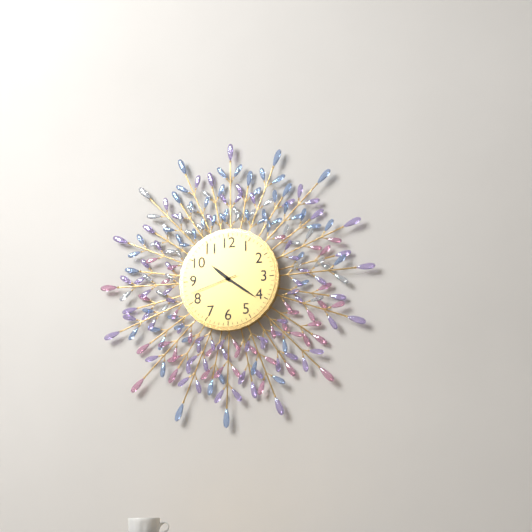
{"hour": 10, "minute": 21, "second": 42}
